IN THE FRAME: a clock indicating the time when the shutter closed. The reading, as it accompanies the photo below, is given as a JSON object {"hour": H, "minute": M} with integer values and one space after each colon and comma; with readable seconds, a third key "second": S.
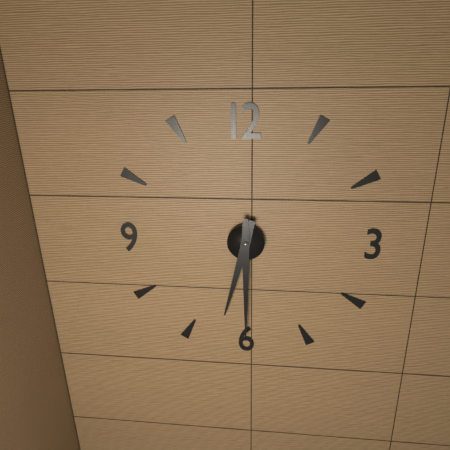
{"hour": 6, "minute": 30}
